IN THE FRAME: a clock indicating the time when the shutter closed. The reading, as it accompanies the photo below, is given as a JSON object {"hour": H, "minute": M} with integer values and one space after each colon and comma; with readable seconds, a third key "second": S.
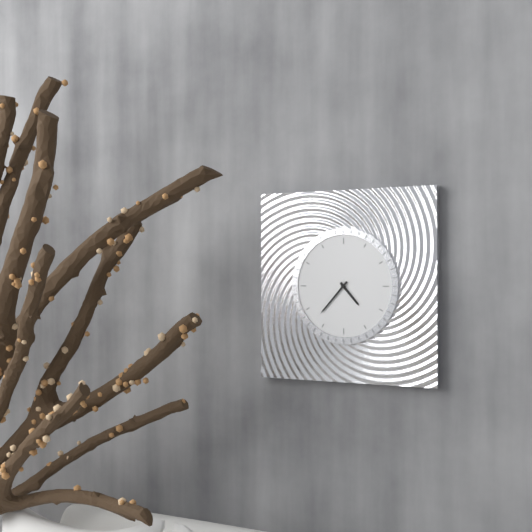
{"hour": 4, "minute": 37}
